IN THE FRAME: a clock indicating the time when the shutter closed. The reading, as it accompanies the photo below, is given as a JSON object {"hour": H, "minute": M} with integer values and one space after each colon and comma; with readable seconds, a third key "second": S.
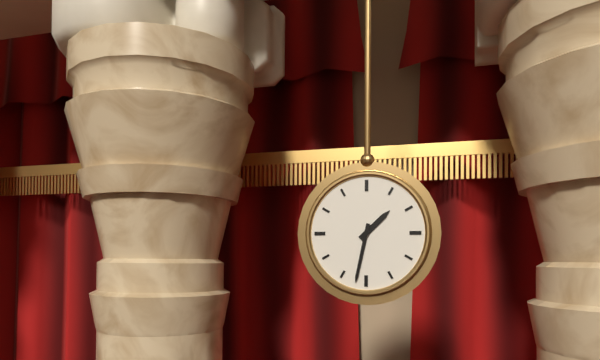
{"hour": 1, "minute": 32}
